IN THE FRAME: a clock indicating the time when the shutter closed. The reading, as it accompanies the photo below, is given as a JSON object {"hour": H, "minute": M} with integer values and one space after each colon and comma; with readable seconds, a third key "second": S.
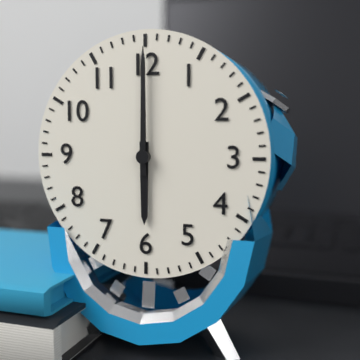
{"hour": 6, "minute": 0}
